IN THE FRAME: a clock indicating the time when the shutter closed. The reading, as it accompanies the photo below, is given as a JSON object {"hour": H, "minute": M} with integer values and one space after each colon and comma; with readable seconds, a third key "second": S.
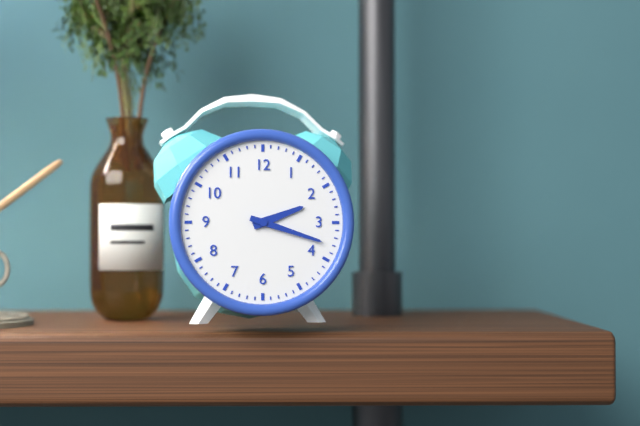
{"hour": 2, "minute": 18}
